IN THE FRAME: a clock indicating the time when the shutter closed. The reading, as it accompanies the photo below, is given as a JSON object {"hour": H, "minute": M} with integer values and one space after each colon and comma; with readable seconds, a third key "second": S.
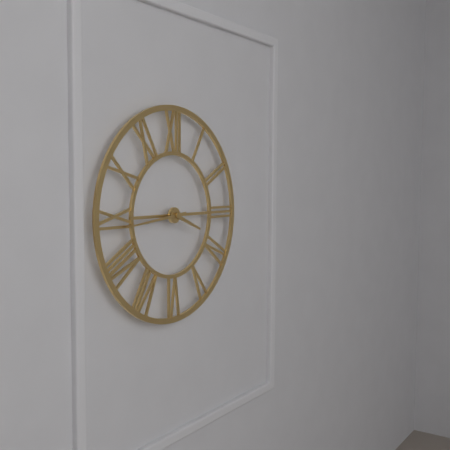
{"hour": 3, "minute": 44}
